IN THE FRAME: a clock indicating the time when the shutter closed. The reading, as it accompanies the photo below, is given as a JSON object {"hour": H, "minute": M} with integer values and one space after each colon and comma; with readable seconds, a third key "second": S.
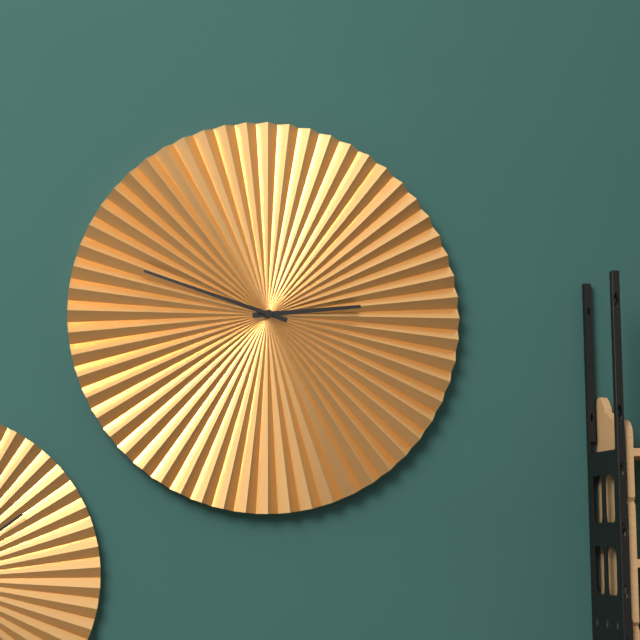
{"hour": 2, "minute": 48}
